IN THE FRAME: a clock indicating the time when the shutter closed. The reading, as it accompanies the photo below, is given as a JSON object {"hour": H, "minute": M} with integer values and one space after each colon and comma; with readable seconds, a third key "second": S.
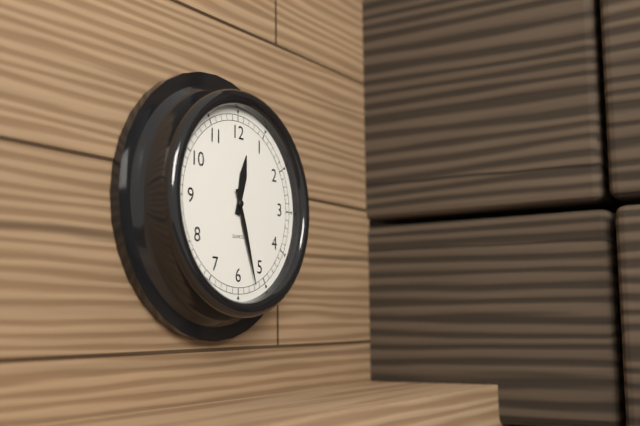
{"hour": 12, "minute": 27}
